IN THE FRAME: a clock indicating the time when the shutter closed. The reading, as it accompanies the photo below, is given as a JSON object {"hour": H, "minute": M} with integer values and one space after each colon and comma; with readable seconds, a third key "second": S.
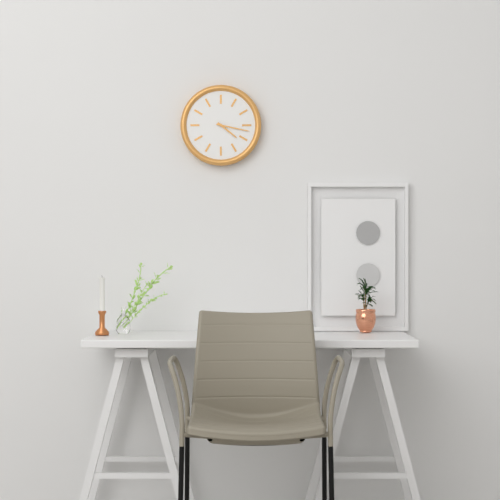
{"hour": 4, "minute": 17}
